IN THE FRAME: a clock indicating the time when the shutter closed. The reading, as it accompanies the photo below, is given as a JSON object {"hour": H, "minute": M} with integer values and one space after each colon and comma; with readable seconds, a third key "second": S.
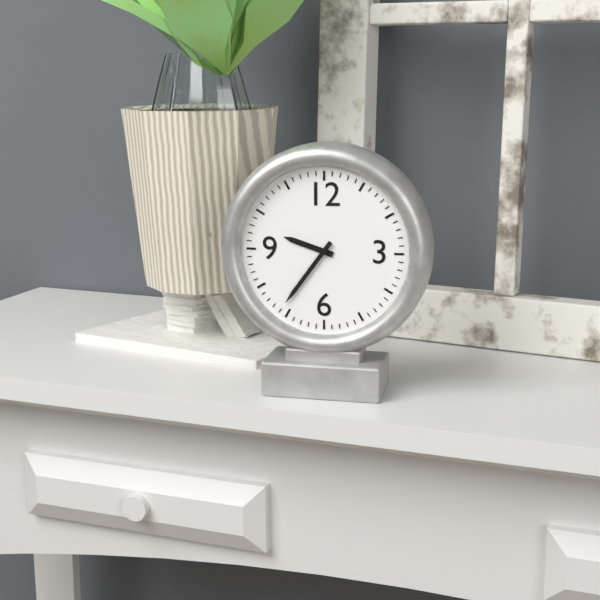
{"hour": 9, "minute": 36}
